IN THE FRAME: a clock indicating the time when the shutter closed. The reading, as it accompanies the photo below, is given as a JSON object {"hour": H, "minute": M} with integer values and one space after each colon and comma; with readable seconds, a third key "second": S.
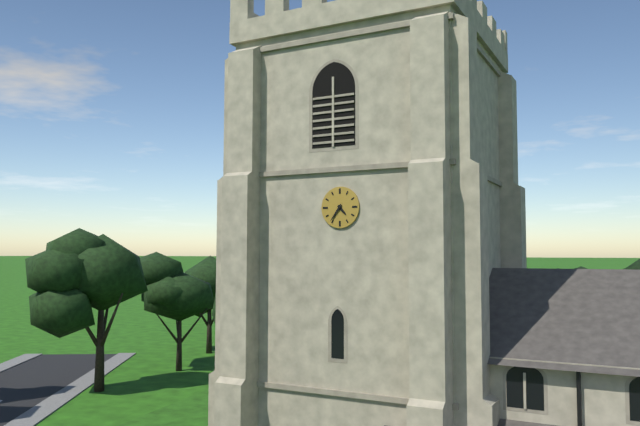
{"hour": 4, "minute": 36}
